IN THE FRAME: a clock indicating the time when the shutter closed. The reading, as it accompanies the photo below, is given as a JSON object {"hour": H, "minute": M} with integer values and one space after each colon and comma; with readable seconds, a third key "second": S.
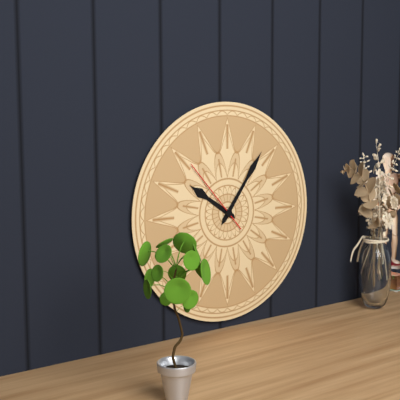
{"hour": 10, "minute": 6, "second": 53}
